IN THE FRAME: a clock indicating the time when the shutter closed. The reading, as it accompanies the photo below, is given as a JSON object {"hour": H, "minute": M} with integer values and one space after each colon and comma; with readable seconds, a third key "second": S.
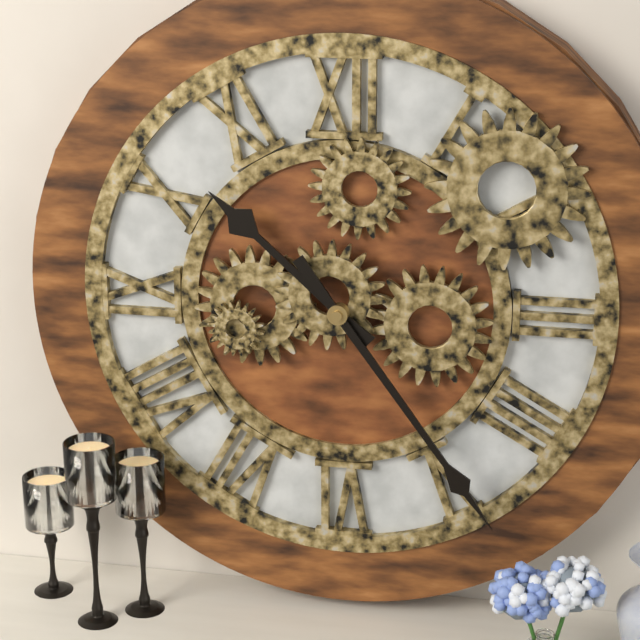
{"hour": 10, "minute": 24}
